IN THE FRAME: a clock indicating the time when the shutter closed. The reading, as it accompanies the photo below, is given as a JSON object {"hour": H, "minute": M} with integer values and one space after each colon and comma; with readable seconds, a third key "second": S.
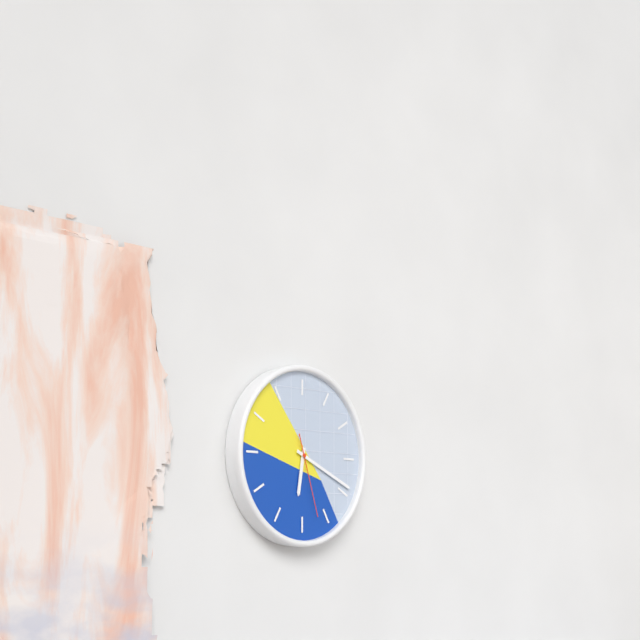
{"hour": 6, "minute": 19, "second": 27}
